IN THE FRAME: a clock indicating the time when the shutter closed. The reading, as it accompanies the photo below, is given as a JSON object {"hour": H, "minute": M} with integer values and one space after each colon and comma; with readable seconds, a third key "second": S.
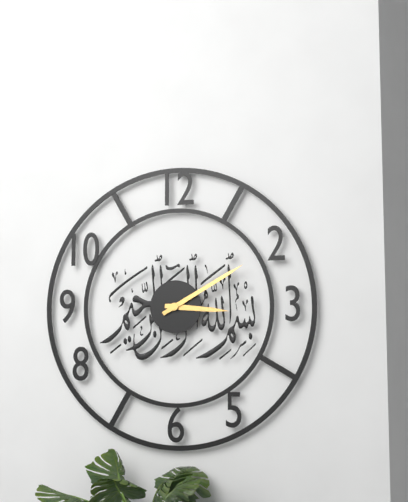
{"hour": 3, "minute": 10}
